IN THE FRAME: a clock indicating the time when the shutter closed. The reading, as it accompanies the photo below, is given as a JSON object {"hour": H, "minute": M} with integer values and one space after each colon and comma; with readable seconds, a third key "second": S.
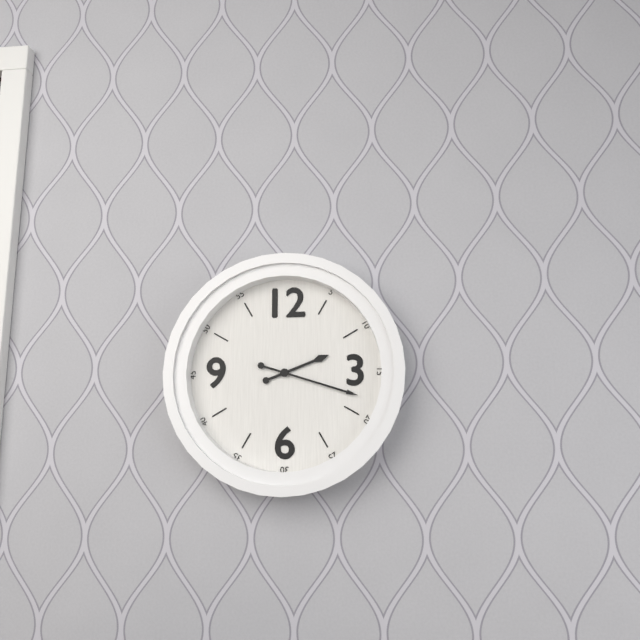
{"hour": 2, "minute": 18}
